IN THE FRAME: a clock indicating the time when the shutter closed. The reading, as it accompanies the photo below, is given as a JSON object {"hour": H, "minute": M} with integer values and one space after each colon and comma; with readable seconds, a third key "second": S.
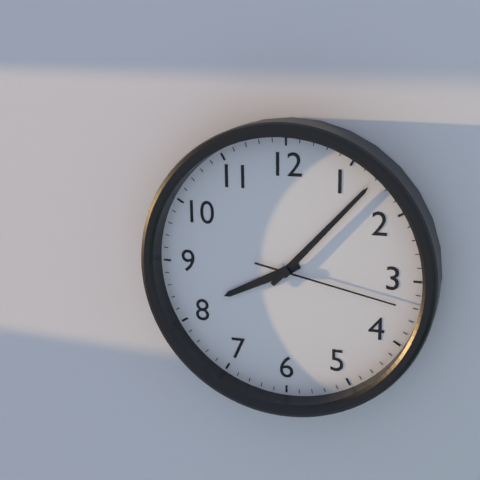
{"hour": 8, "minute": 7, "second": 17}
